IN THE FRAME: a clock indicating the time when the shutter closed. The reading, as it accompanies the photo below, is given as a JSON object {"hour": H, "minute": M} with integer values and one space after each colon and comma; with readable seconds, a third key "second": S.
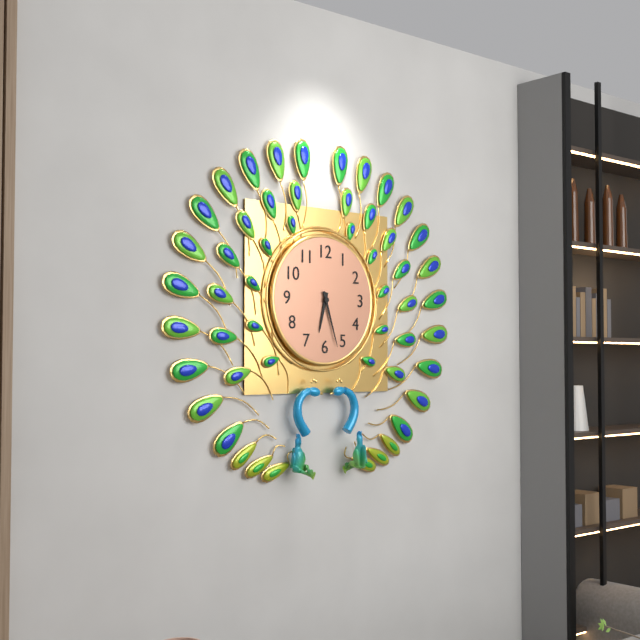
{"hour": 6, "minute": 27}
